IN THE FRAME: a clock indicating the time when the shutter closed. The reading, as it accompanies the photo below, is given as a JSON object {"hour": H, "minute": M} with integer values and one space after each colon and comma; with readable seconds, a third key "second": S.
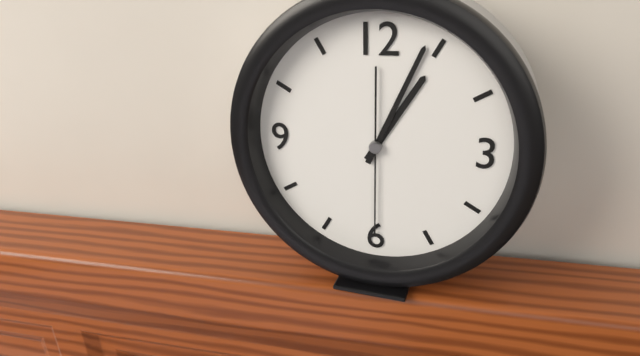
{"hour": 1, "minute": 4, "second": 30}
